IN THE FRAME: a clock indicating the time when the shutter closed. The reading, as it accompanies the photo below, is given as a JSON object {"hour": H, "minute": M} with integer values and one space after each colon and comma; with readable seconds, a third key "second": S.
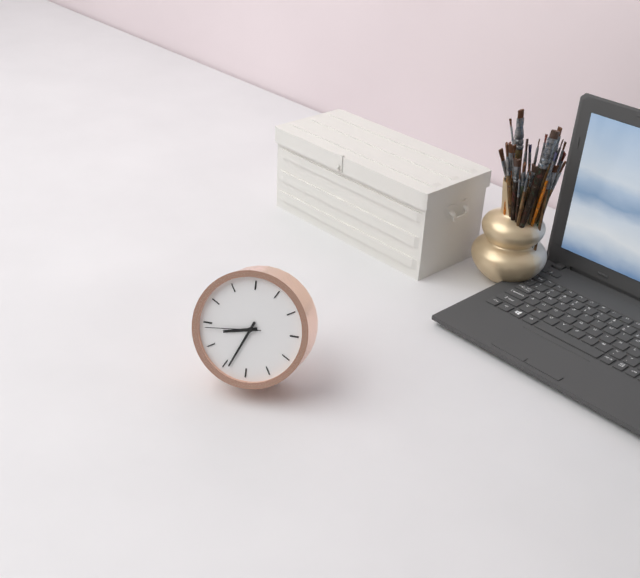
{"hour": 8, "minute": 34, "second": 44}
